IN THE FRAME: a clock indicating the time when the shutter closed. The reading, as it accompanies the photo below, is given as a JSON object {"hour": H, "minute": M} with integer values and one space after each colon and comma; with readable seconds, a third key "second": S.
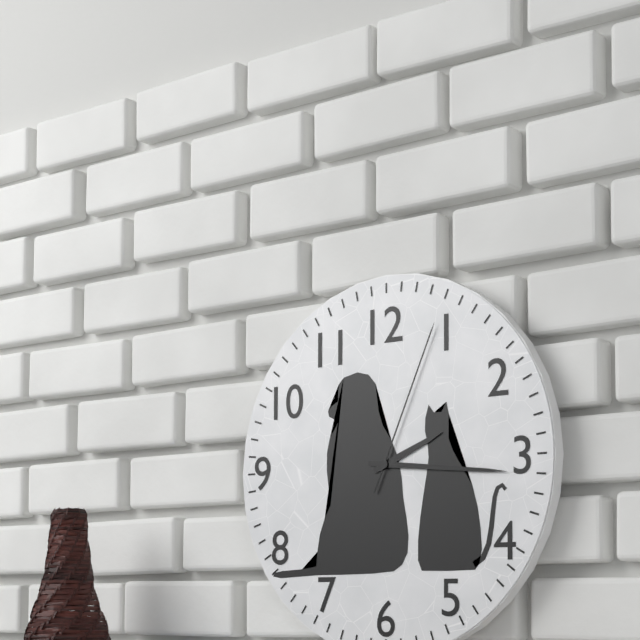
{"hour": 2, "minute": 16, "second": 4}
